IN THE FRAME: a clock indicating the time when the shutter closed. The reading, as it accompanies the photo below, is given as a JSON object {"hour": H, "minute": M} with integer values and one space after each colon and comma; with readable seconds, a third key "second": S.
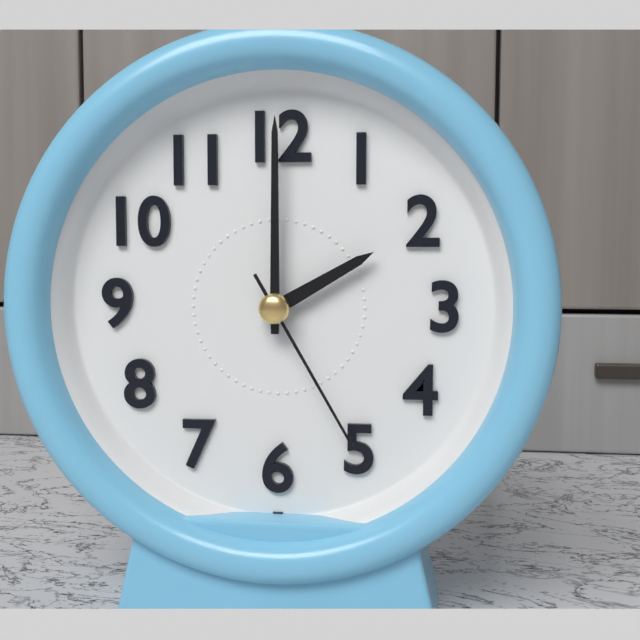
{"hour": 2, "minute": 0, "second": 25}
